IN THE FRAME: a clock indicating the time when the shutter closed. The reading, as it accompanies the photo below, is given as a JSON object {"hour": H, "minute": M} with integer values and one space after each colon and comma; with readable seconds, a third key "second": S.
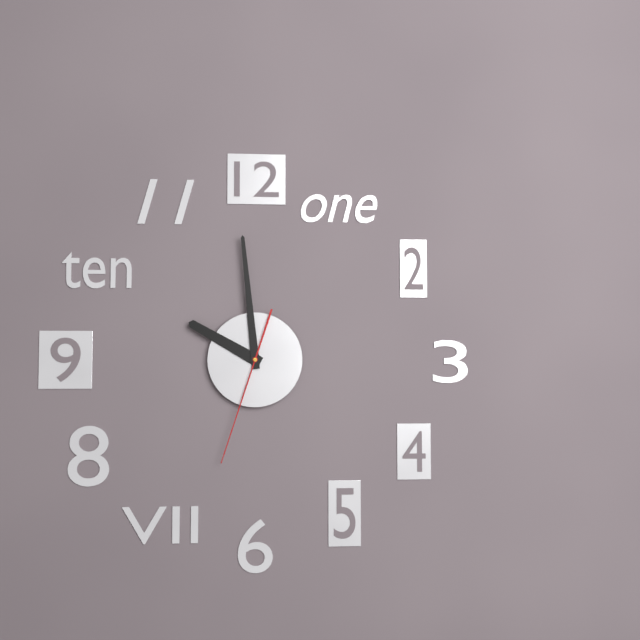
{"hour": 9, "minute": 59, "second": 33}
